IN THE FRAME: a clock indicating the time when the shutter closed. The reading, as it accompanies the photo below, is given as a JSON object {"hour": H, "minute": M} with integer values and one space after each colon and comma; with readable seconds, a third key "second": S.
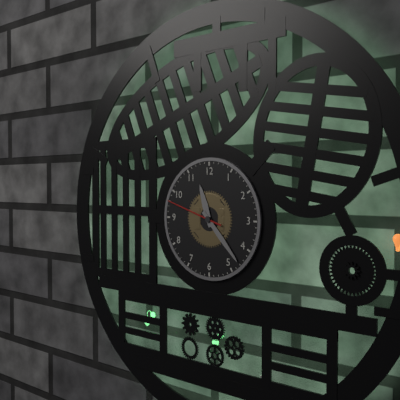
{"hour": 11, "minute": 23, "second": 48}
